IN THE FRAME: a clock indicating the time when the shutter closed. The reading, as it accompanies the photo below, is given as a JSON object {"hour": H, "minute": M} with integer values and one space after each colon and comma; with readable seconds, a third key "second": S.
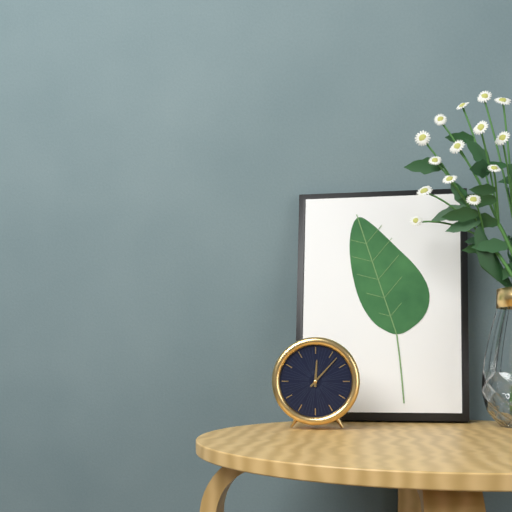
{"hour": 12, "minute": 7}
